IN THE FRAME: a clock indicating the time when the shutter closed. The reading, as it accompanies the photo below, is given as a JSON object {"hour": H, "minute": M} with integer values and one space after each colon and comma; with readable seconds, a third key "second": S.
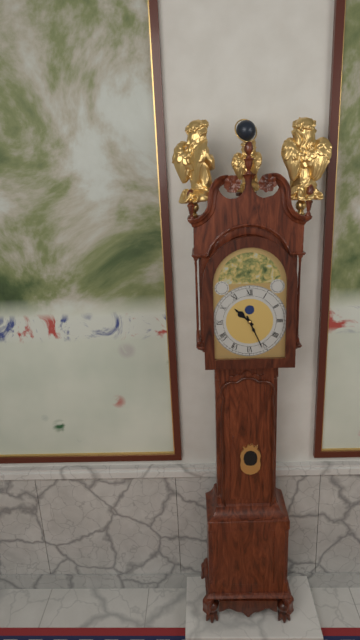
{"hour": 10, "minute": 26}
